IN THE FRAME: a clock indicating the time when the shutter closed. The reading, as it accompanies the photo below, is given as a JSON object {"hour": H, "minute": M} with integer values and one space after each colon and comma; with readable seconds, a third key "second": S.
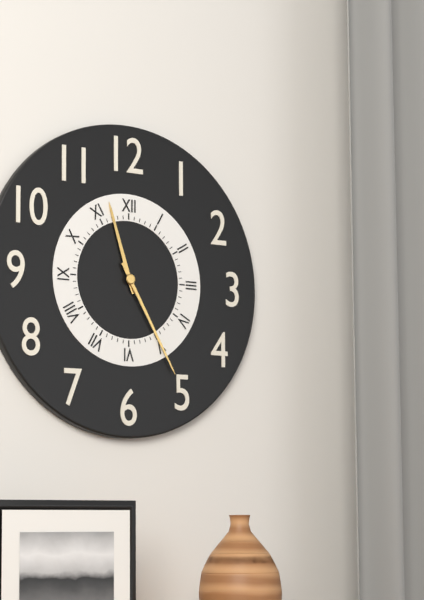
{"hour": 11, "minute": 25}
